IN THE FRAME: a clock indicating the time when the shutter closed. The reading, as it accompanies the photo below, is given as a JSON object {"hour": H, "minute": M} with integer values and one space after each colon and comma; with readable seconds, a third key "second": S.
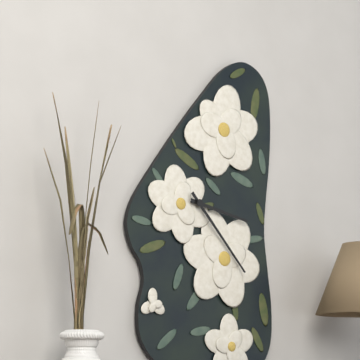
{"hour": 3, "minute": 23}
